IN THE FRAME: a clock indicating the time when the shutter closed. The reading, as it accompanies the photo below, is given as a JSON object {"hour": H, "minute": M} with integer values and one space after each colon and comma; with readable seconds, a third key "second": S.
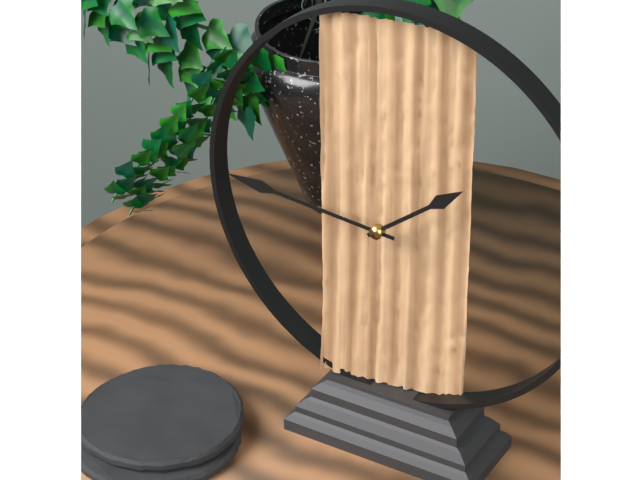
{"hour": 1, "minute": 46}
